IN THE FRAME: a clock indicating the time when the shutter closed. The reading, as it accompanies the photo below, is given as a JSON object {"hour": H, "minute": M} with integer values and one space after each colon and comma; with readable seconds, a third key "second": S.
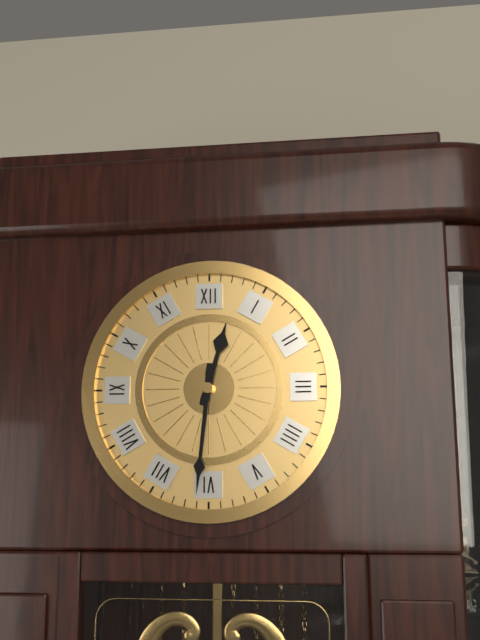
{"hour": 12, "minute": 31}
